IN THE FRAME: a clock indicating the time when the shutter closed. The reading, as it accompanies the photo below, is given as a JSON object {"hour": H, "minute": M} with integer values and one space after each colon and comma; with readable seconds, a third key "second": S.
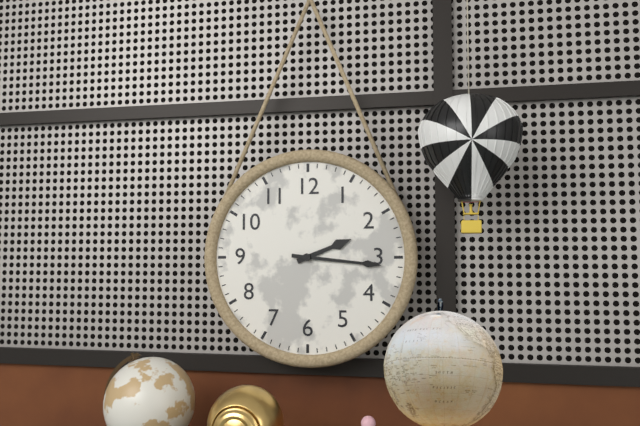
{"hour": 2, "minute": 16}
